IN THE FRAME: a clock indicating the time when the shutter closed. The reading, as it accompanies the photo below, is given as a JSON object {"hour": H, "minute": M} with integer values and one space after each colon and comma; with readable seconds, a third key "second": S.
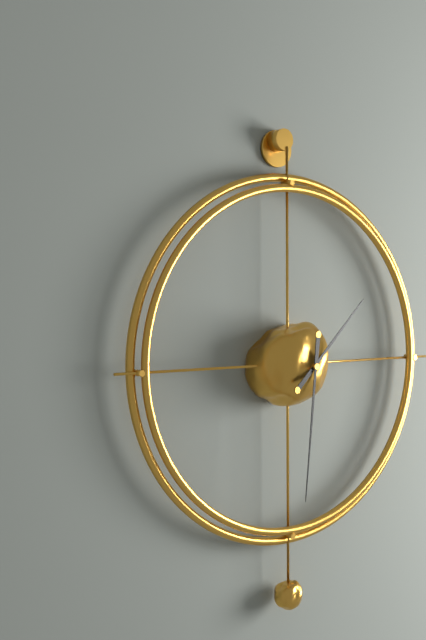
{"hour": 1, "minute": 31}
